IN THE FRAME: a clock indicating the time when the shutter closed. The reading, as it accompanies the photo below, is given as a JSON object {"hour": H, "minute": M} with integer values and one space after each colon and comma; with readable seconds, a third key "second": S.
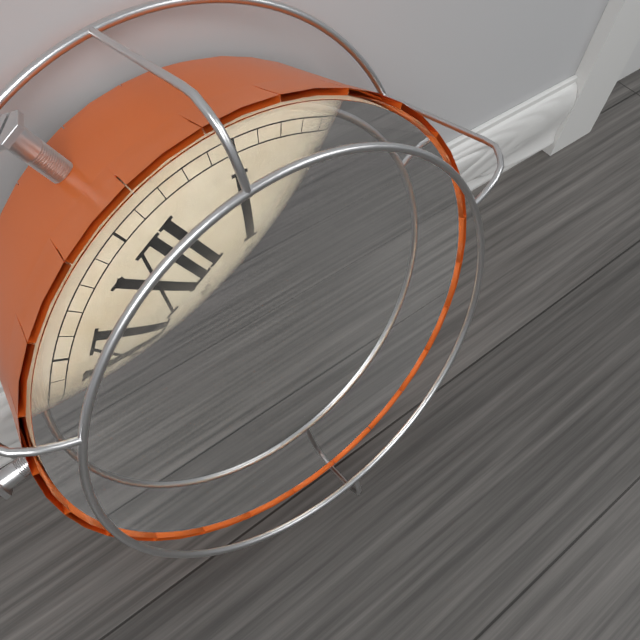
{"hour": 2, "minute": 26}
